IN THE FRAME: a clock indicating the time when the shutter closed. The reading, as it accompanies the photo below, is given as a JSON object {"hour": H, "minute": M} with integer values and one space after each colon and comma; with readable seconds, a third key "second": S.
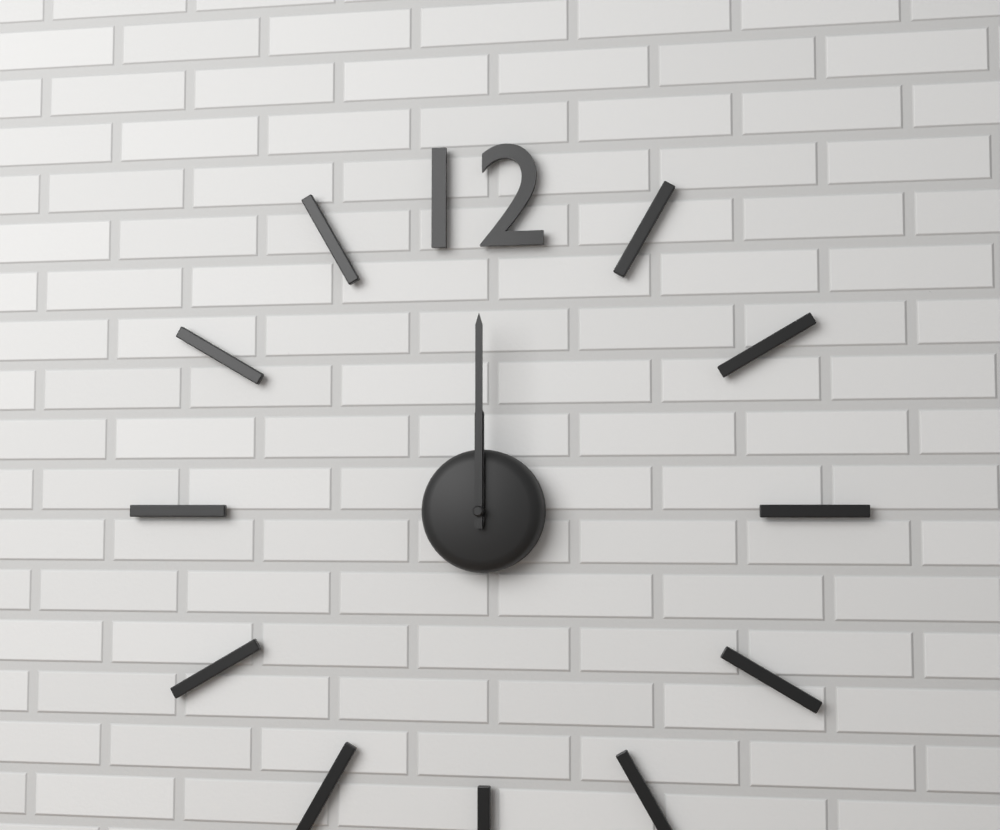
{"hour": 12, "minute": 0}
